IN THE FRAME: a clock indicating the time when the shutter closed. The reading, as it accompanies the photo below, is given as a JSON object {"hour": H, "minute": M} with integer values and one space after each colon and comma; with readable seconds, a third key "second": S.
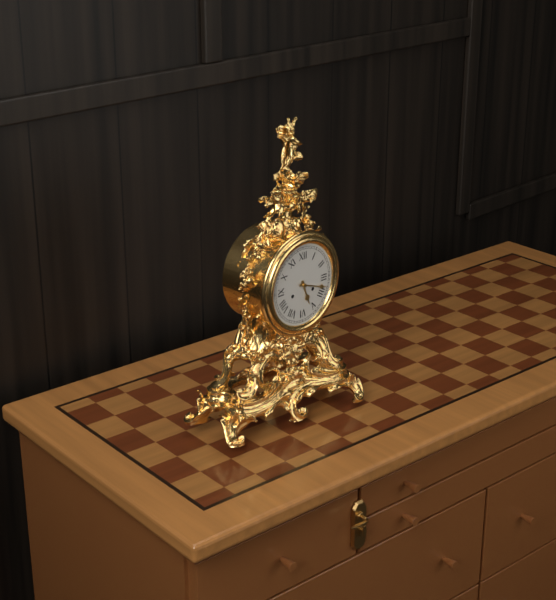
{"hour": 5, "minute": 18}
